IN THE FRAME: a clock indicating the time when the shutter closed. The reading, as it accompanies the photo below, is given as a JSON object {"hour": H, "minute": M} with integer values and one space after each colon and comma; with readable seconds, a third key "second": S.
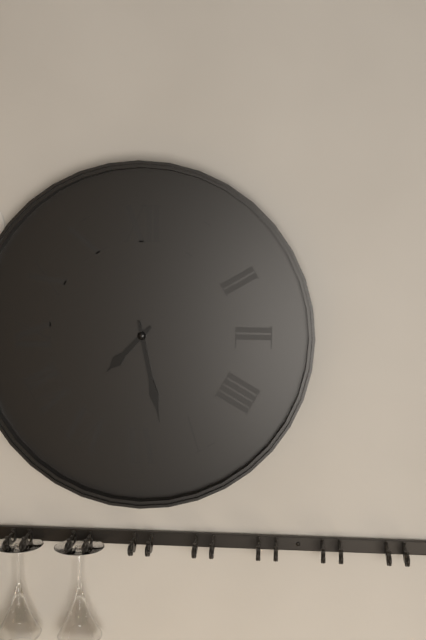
{"hour": 7, "minute": 28}
